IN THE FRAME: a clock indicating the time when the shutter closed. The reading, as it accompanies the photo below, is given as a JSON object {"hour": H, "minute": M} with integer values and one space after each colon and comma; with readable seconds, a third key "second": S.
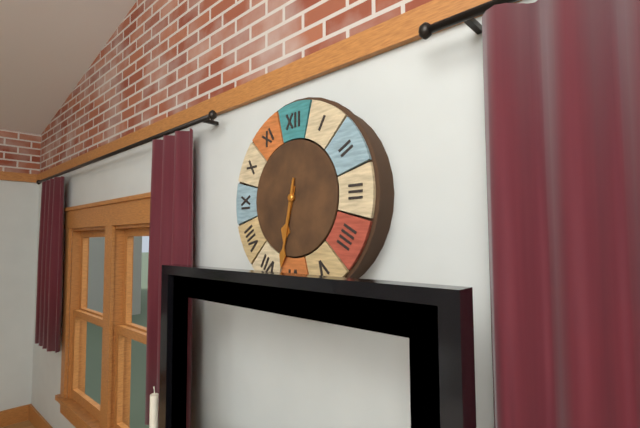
{"hour": 6, "minute": 32}
